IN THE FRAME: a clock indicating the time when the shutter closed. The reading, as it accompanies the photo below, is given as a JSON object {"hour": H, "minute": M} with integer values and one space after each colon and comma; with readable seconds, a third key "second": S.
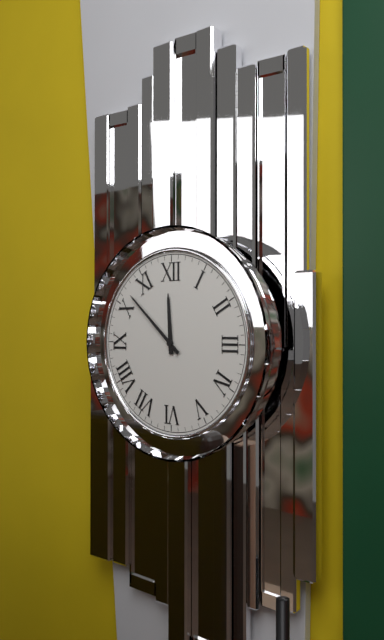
{"hour": 11, "minute": 52}
